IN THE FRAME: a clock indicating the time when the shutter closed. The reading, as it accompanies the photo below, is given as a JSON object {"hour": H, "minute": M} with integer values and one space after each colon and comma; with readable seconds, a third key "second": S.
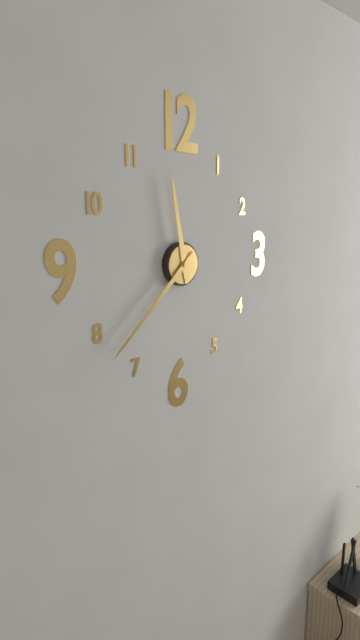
{"hour": 11, "minute": 38}
